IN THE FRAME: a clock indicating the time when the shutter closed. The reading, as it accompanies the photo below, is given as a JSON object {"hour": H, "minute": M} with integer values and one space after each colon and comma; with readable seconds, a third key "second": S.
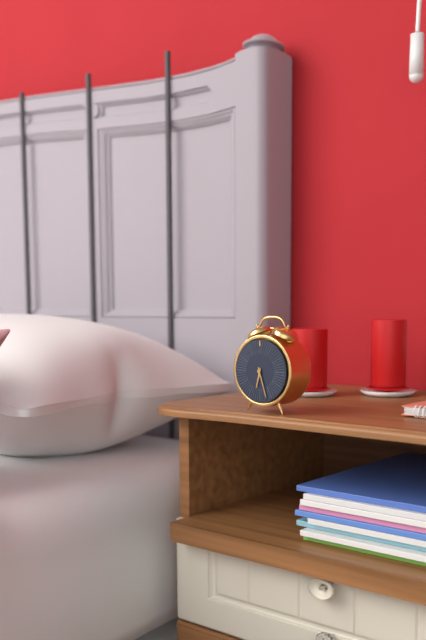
{"hour": 6, "minute": 27}
